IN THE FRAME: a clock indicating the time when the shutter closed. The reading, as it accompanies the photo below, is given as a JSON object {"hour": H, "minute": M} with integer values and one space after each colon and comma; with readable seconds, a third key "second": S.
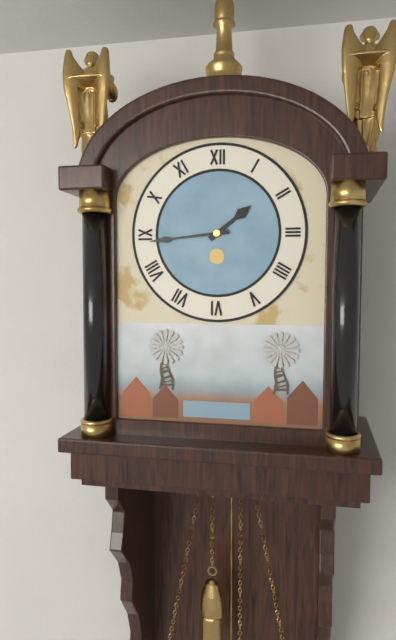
{"hour": 1, "minute": 44}
